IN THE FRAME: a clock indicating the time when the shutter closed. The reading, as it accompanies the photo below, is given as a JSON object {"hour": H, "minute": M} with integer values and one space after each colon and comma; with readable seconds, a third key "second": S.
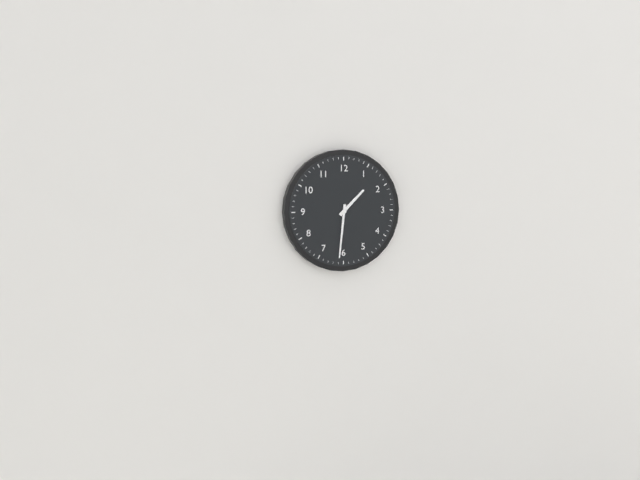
{"hour": 1, "minute": 31}
